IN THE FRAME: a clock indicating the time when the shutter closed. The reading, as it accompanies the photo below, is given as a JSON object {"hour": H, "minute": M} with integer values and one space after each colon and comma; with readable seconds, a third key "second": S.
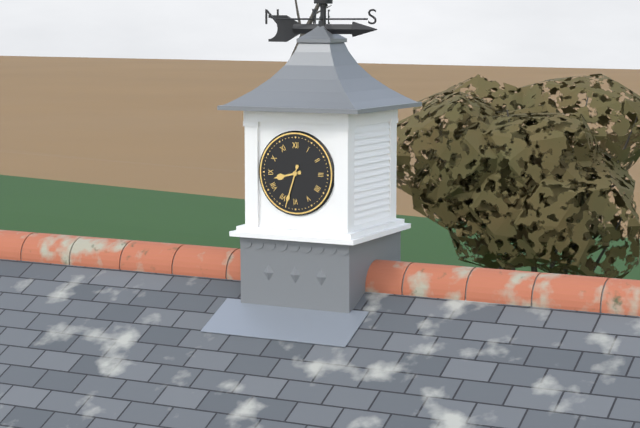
{"hour": 8, "minute": 33}
